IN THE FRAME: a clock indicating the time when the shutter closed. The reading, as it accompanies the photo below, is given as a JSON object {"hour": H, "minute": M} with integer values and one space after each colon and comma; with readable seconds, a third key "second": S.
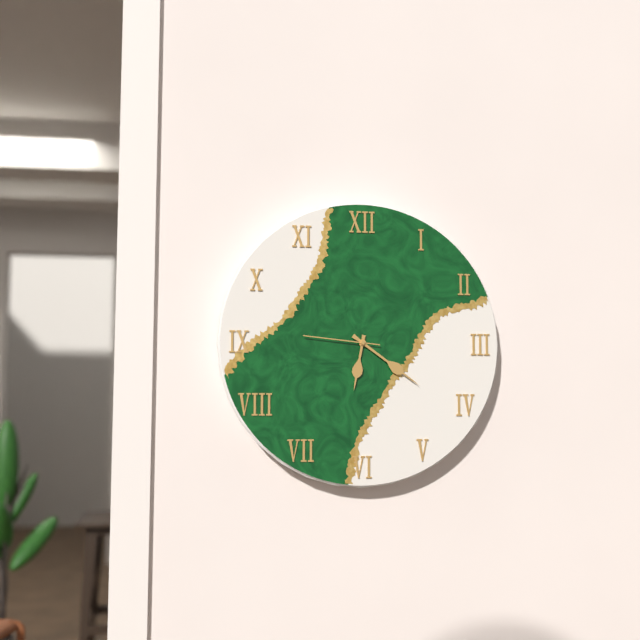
{"hour": 6, "minute": 21, "second": 46}
